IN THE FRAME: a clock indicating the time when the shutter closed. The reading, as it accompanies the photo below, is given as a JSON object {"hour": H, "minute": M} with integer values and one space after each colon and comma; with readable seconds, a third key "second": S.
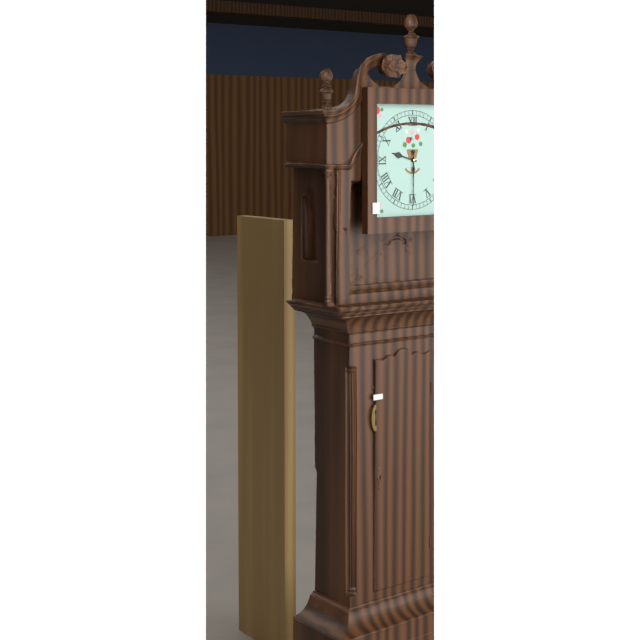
{"hour": 9, "minute": 30}
